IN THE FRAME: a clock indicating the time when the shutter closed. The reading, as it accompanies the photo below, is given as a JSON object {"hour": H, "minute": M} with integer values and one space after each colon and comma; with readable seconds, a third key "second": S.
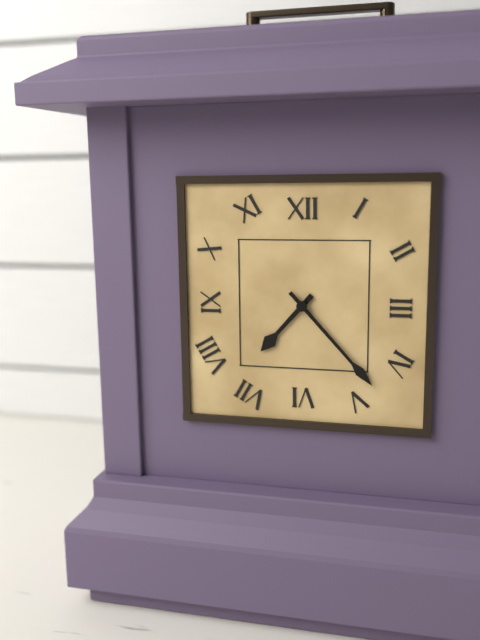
{"hour": 7, "minute": 23}
